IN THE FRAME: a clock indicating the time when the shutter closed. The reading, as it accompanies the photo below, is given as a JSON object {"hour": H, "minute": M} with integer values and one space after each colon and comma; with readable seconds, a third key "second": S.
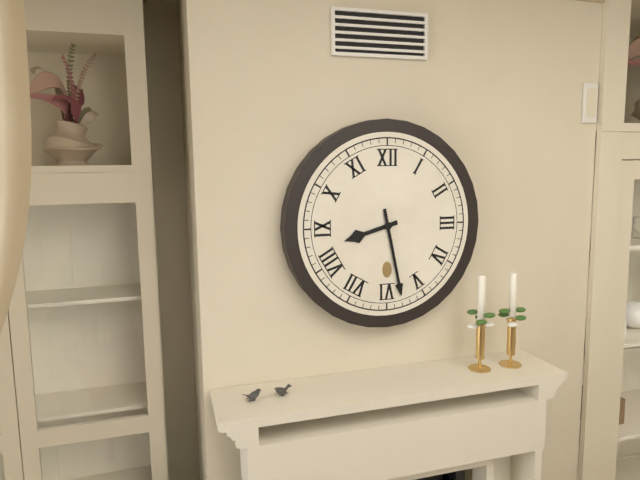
{"hour": 8, "minute": 28}
